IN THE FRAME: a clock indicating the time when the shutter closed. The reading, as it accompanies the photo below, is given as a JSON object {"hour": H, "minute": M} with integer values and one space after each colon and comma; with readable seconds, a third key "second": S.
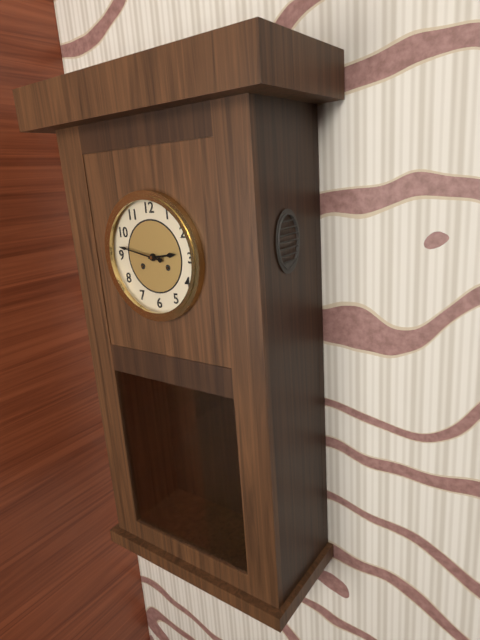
{"hour": 2, "minute": 47}
